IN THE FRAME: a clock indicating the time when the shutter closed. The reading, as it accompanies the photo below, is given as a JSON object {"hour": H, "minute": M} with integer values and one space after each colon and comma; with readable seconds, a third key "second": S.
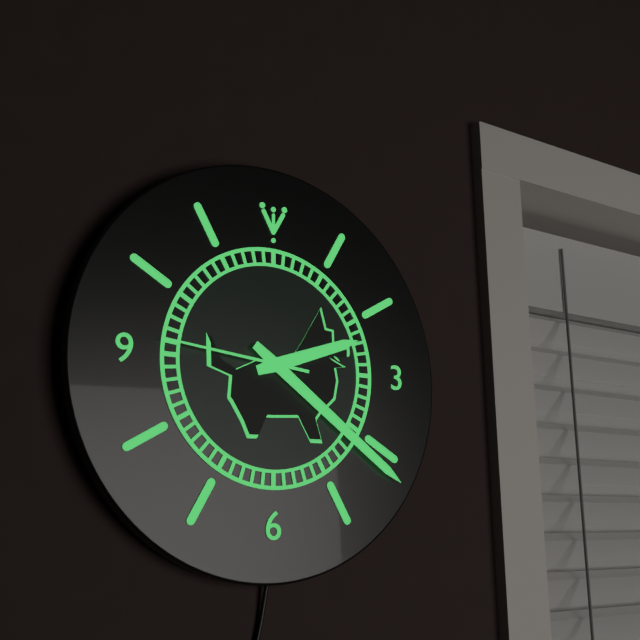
{"hour": 2, "minute": 21, "second": 46}
